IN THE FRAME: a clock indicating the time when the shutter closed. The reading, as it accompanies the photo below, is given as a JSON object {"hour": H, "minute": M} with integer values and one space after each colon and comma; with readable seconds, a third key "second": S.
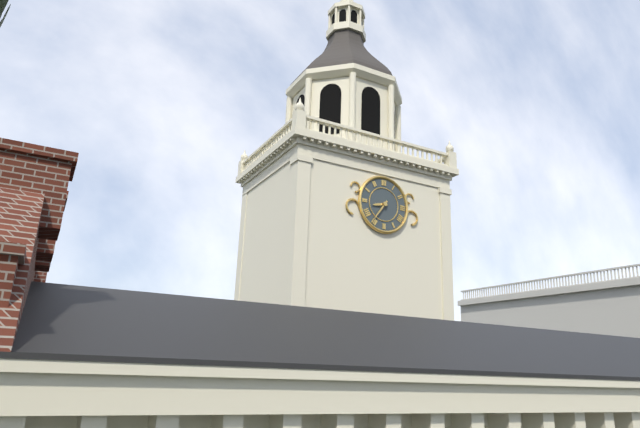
{"hour": 8, "minute": 36}
